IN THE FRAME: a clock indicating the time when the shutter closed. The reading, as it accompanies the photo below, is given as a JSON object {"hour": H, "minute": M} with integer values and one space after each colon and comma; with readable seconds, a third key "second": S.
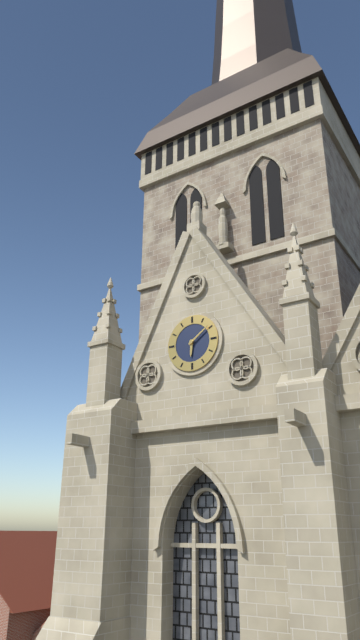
{"hour": 6, "minute": 9}
